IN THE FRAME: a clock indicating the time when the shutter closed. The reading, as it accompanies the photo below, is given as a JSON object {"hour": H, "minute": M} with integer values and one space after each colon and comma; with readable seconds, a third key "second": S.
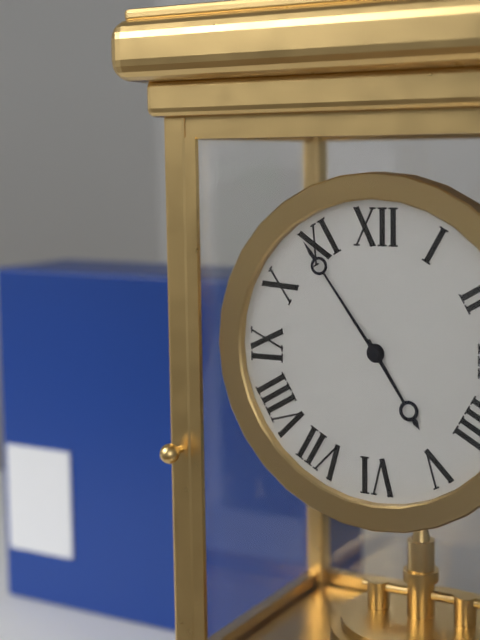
{"hour": 4, "minute": 54}
